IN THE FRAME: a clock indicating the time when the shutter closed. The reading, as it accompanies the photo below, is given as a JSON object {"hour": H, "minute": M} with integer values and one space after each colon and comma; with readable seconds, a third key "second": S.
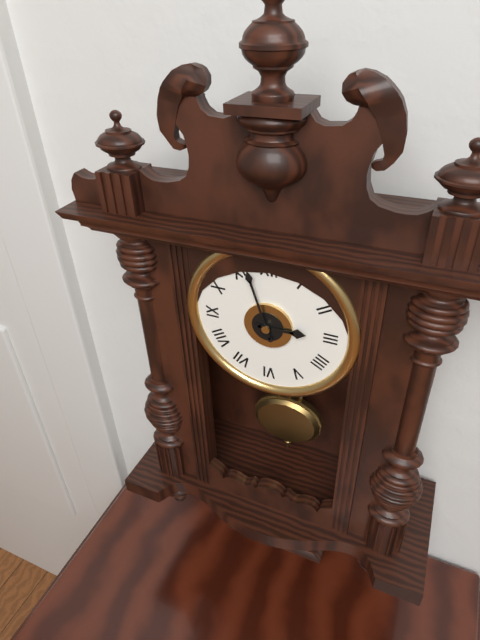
{"hour": 2, "minute": 57}
